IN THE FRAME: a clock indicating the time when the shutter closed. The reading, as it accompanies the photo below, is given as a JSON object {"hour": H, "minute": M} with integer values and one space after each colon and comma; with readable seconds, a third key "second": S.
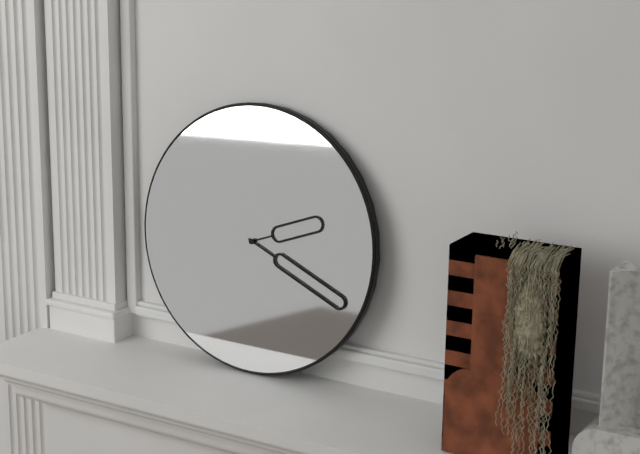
{"hour": 2, "minute": 19}
